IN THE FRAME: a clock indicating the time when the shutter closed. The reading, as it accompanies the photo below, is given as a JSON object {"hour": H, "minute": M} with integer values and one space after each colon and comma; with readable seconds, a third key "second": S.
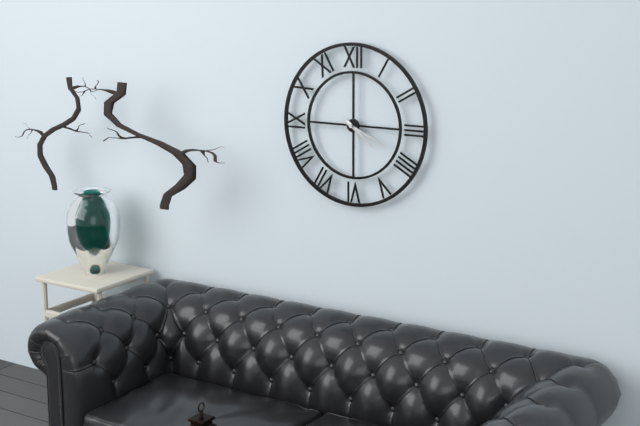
{"hour": 4, "minute": 19}
